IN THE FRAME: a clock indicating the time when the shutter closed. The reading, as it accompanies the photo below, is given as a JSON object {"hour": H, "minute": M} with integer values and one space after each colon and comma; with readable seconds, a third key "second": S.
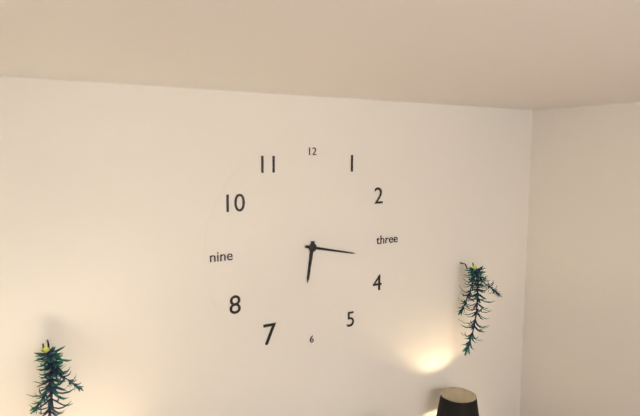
{"hour": 6, "minute": 17}
